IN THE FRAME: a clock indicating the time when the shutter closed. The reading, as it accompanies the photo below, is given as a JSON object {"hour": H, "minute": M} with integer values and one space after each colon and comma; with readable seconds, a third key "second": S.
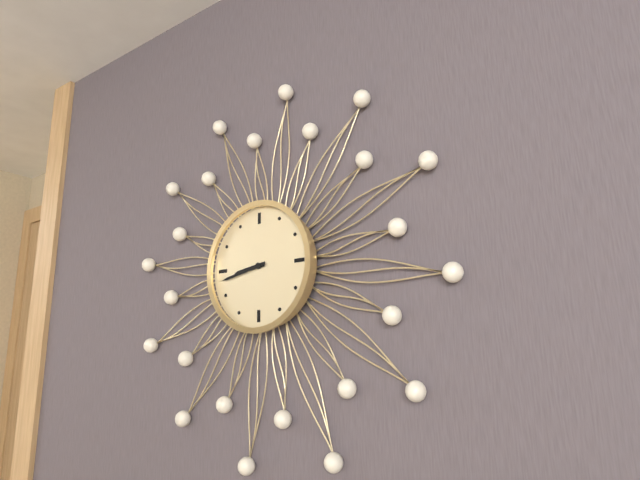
{"hour": 8, "minute": 43}
